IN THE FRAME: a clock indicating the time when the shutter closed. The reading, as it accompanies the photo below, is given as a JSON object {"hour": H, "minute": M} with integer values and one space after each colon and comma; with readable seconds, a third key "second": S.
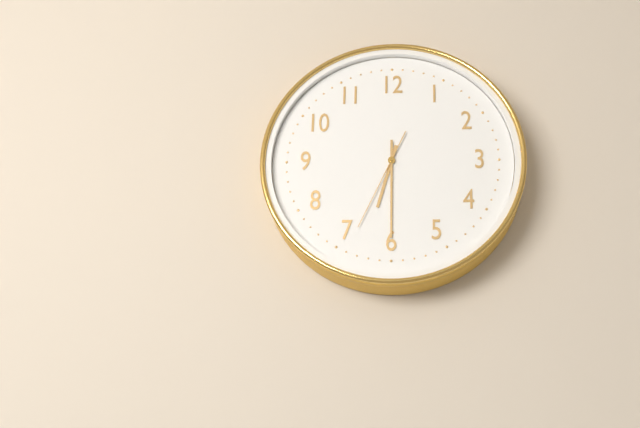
{"hour": 6, "minute": 30, "second": 34}
